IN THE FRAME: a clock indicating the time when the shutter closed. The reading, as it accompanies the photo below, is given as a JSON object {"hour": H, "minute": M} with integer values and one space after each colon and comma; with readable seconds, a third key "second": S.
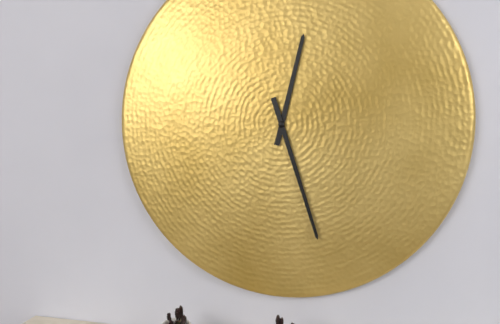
{"hour": 12, "minute": 27}
